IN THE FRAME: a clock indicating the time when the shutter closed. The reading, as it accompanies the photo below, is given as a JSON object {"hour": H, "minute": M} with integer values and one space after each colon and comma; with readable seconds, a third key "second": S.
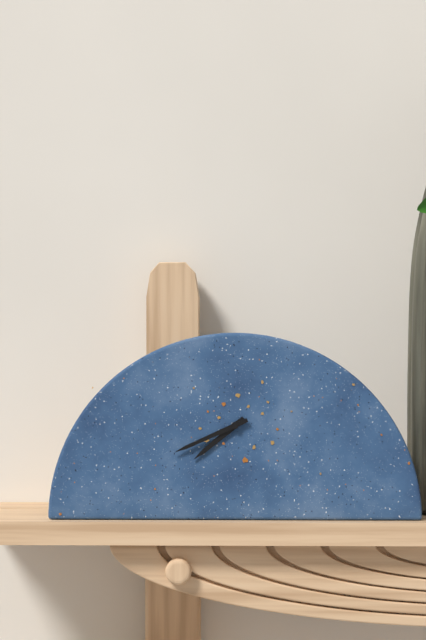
{"hour": 7, "minute": 41}
